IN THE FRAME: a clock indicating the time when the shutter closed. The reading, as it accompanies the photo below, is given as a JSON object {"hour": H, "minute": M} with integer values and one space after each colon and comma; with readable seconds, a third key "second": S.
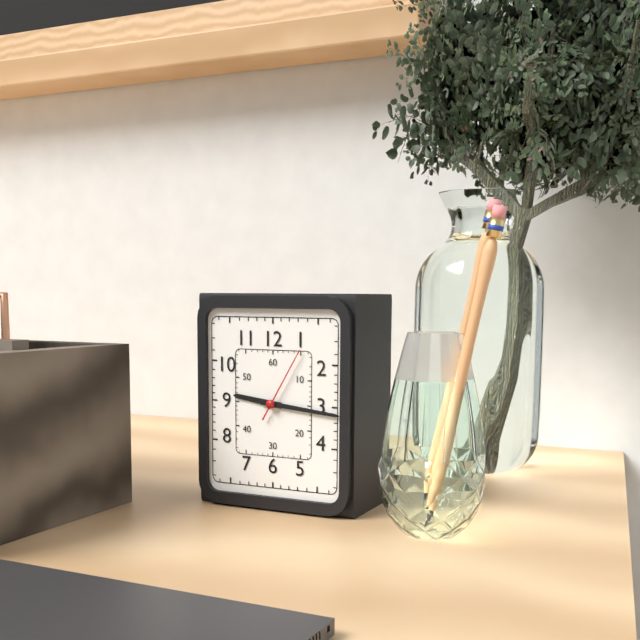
{"hour": 9, "minute": 16, "second": 5}
